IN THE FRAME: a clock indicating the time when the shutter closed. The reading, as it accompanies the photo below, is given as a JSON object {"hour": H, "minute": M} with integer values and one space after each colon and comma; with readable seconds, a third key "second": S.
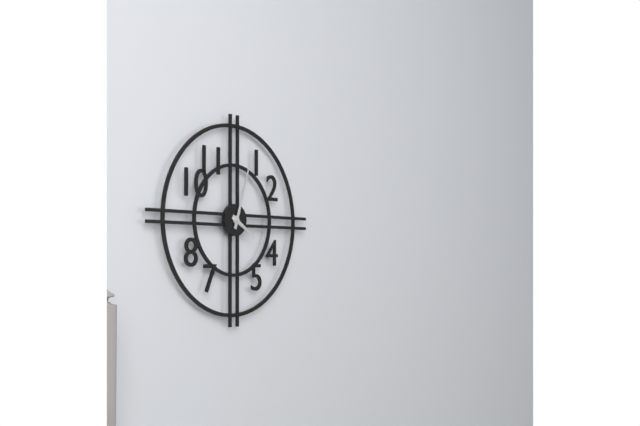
{"hour": 4, "minute": 3}
